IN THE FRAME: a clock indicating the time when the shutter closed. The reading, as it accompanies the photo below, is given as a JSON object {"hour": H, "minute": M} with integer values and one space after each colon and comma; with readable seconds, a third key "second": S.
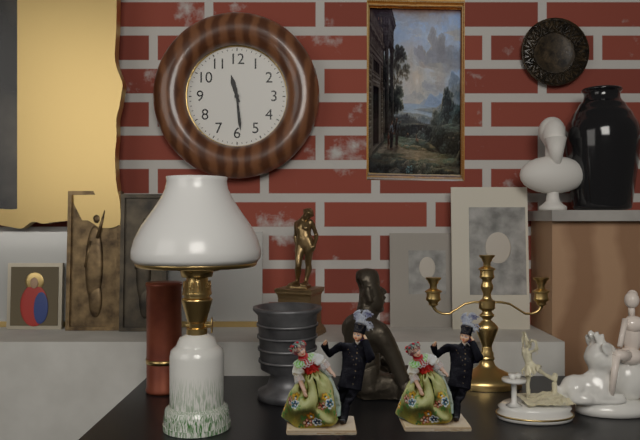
{"hour": 11, "minute": 29}
